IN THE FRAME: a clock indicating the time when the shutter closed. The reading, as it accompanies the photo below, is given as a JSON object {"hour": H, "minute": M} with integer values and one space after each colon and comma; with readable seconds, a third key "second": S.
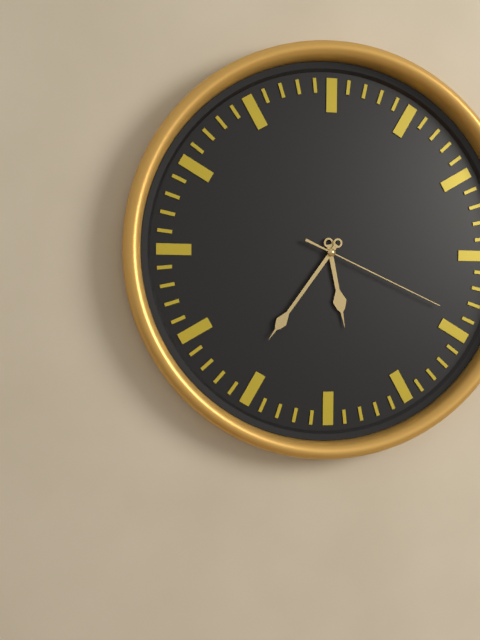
{"hour": 5, "minute": 36, "second": 19}
